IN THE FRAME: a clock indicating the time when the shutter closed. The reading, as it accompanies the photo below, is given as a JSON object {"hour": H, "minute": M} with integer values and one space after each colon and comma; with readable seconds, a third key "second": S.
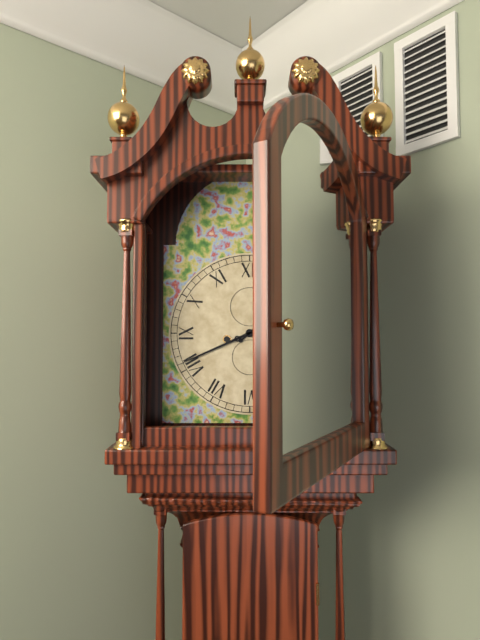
{"hour": 1, "minute": 41}
